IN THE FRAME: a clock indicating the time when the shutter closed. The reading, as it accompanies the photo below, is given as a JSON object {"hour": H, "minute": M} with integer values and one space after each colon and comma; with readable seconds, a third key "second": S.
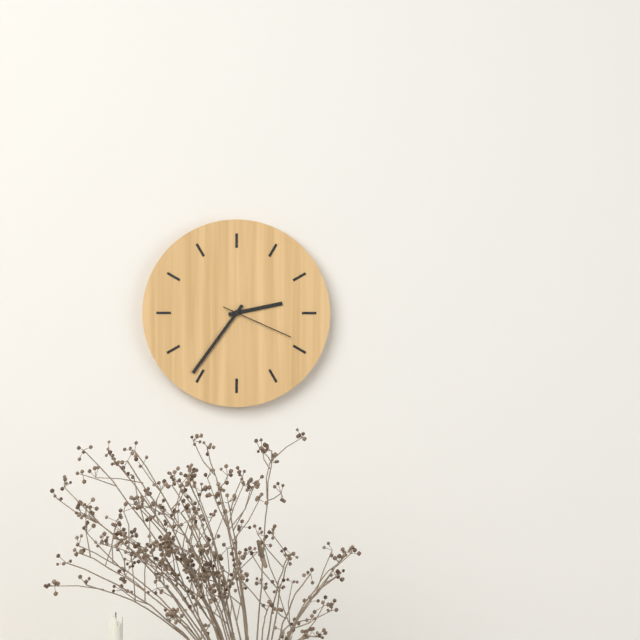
{"hour": 2, "minute": 36, "second": 19}
